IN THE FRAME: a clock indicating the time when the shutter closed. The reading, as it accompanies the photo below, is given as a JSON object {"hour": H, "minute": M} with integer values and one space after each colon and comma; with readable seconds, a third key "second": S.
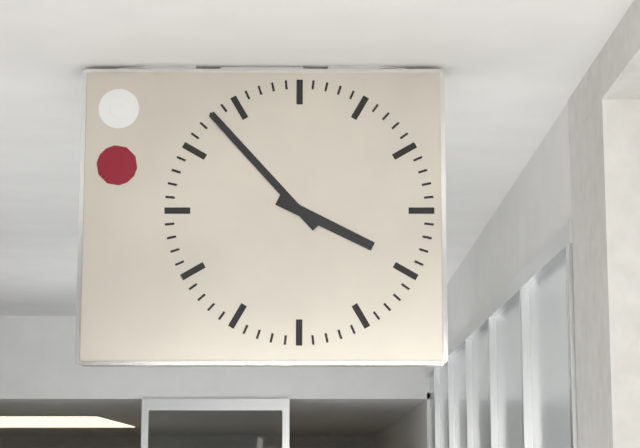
{"hour": 3, "minute": 53}
